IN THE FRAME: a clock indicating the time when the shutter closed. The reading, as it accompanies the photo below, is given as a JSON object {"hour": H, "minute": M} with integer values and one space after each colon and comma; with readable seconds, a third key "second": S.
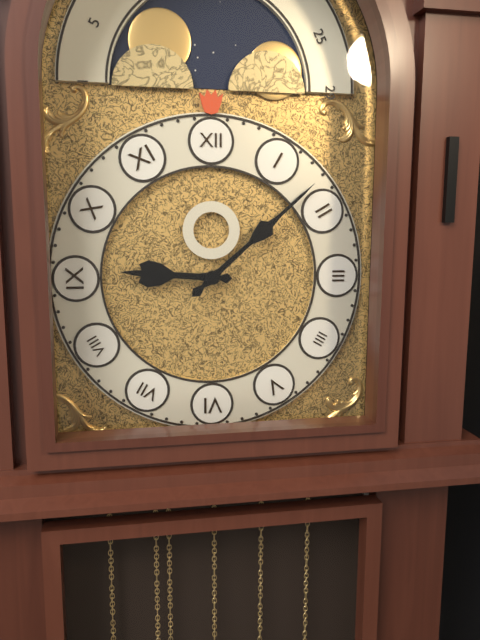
{"hour": 9, "minute": 8}
